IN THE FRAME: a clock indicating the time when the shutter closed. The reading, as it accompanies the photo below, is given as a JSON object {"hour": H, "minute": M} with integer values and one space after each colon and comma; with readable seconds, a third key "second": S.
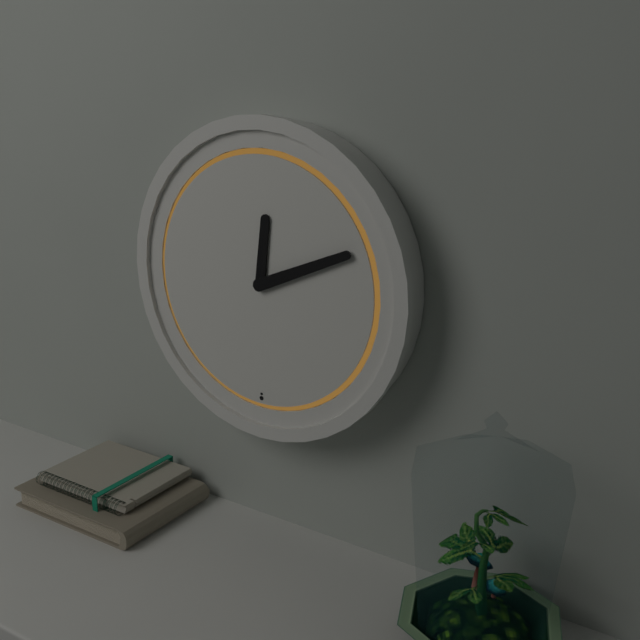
{"hour": 12, "minute": 11}
